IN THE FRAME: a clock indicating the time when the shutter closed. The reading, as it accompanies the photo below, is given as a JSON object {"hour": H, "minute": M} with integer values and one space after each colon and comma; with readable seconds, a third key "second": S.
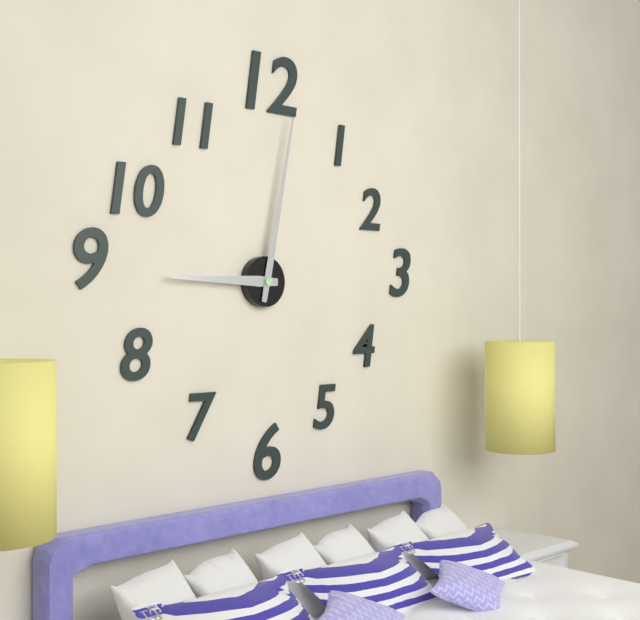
{"hour": 9, "minute": 2}
